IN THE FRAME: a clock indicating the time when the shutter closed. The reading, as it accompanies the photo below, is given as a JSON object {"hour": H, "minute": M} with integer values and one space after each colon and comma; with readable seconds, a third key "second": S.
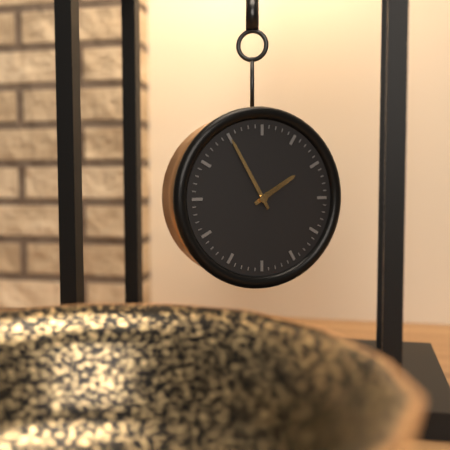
{"hour": 1, "minute": 55}
